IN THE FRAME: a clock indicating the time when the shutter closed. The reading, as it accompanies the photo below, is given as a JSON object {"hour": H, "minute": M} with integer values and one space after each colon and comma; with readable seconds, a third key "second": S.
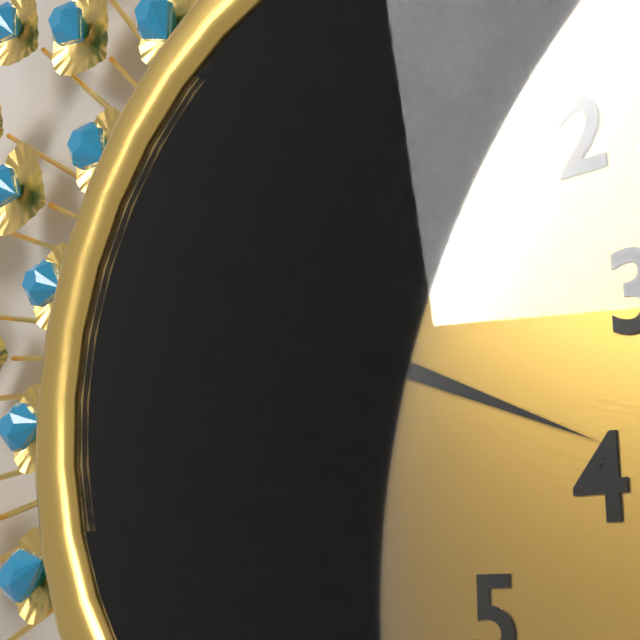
{"hour": 12, "minute": 19, "second": 58}
